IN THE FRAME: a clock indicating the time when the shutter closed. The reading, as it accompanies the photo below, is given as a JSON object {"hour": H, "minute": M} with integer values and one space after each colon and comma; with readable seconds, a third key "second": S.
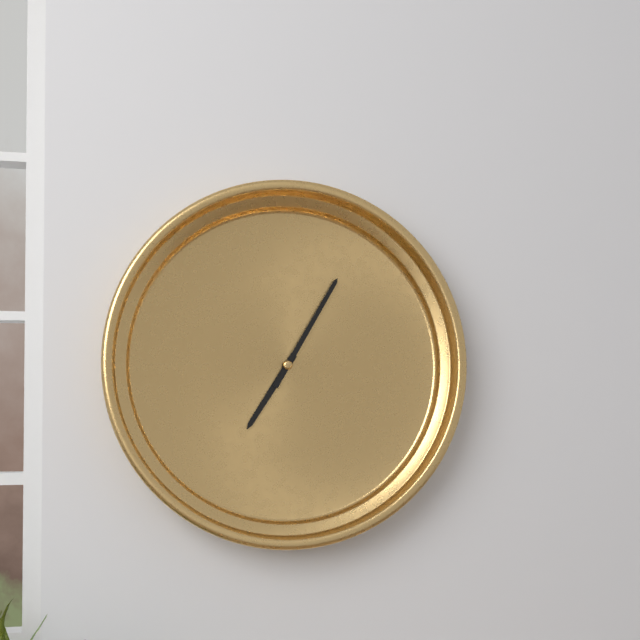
{"hour": 7, "minute": 5}
